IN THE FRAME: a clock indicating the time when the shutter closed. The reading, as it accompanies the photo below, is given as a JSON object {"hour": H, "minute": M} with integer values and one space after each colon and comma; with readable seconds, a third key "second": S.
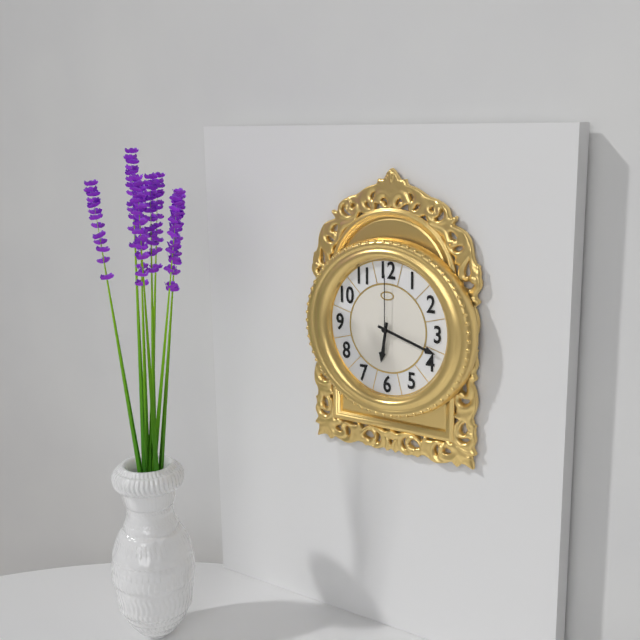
{"hour": 6, "minute": 18, "second": 0}
